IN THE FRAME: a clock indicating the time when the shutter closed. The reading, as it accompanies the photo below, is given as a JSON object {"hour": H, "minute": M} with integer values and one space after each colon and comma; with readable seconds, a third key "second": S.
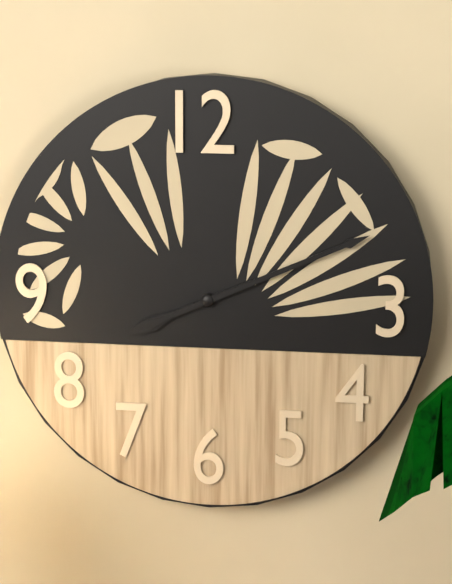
{"hour": 8, "minute": 11}
